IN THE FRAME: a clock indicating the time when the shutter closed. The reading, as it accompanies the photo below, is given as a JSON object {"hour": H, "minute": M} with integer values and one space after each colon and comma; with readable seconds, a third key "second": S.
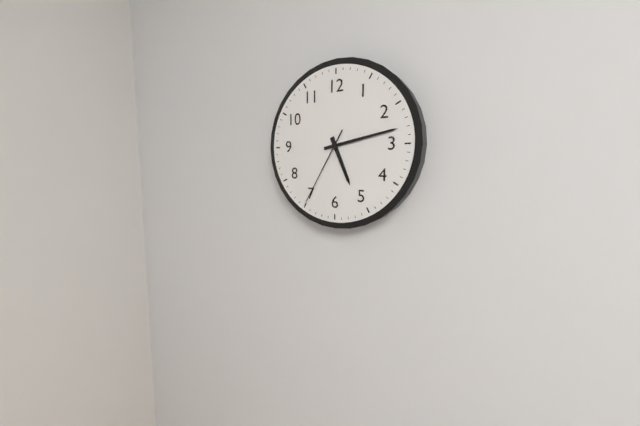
{"hour": 5, "minute": 13, "second": 35}
